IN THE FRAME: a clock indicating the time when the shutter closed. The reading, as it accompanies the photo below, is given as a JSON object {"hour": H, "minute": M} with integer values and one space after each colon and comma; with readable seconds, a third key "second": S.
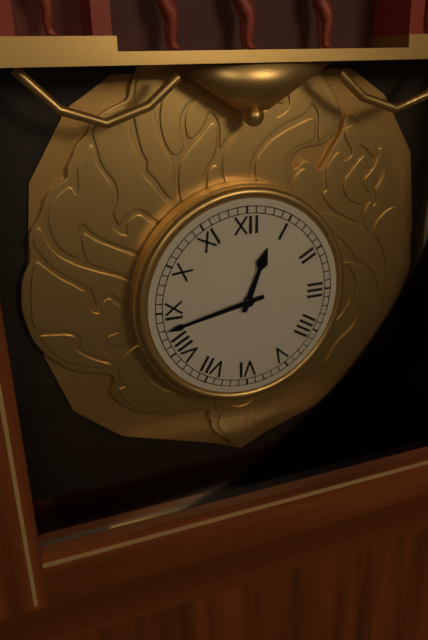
{"hour": 12, "minute": 43}
